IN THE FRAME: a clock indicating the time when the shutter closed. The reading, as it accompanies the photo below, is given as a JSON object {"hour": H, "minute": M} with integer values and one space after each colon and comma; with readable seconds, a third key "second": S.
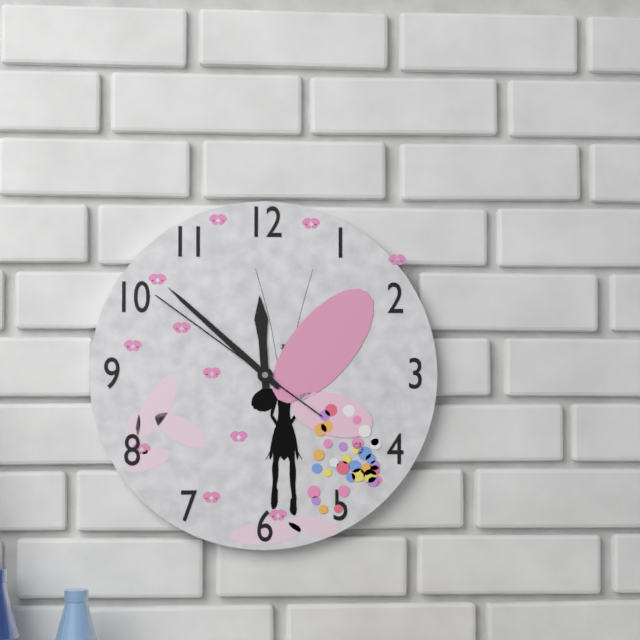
{"hour": 11, "minute": 52, "second": 51}
